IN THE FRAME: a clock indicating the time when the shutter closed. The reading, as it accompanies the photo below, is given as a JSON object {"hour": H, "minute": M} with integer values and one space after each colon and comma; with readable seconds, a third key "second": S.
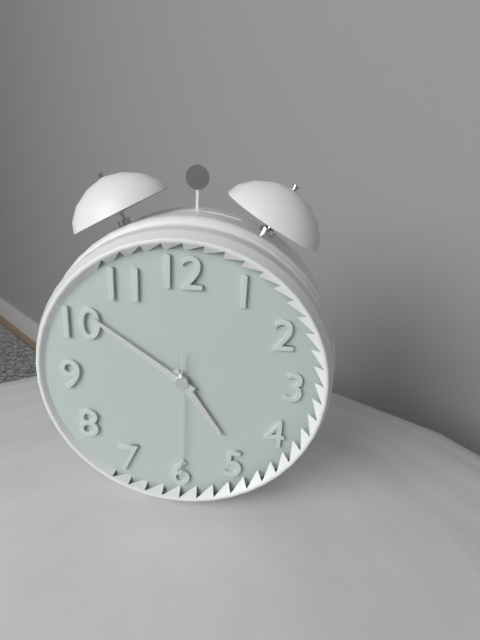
{"hour": 4, "minute": 51, "second": 30}
